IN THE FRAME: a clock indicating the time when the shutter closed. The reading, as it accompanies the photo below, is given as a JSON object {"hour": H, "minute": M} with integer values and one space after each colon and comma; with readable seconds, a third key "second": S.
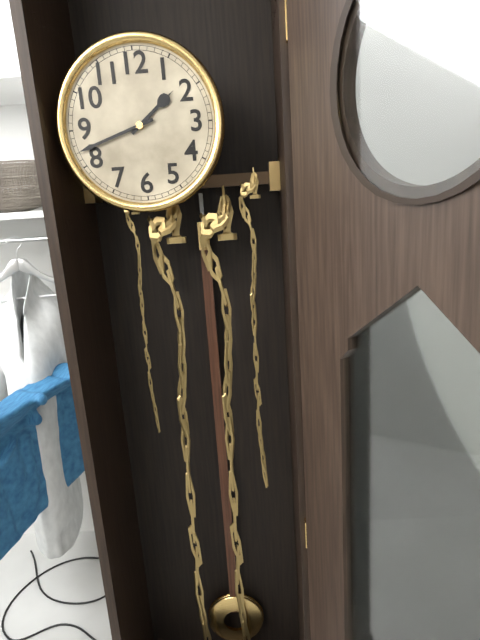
{"hour": 1, "minute": 42}
